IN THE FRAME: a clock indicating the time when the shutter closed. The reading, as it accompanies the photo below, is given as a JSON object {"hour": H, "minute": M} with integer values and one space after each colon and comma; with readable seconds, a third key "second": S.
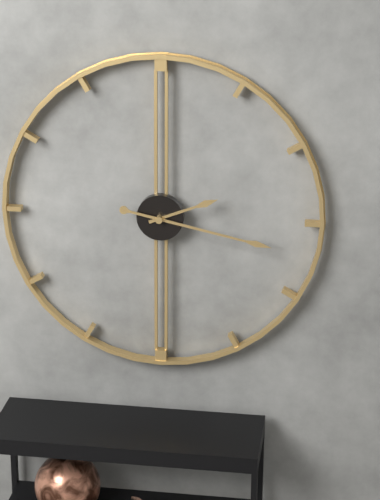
{"hour": 2, "minute": 17}
